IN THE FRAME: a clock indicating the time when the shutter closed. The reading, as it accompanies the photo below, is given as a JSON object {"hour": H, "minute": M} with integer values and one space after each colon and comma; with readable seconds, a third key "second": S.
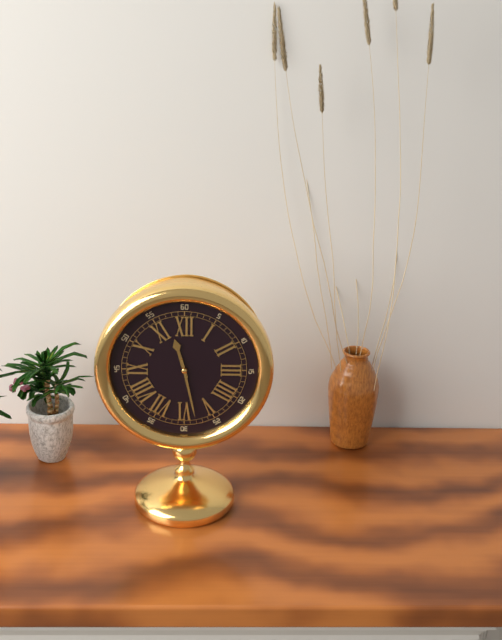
{"hour": 11, "minute": 28}
